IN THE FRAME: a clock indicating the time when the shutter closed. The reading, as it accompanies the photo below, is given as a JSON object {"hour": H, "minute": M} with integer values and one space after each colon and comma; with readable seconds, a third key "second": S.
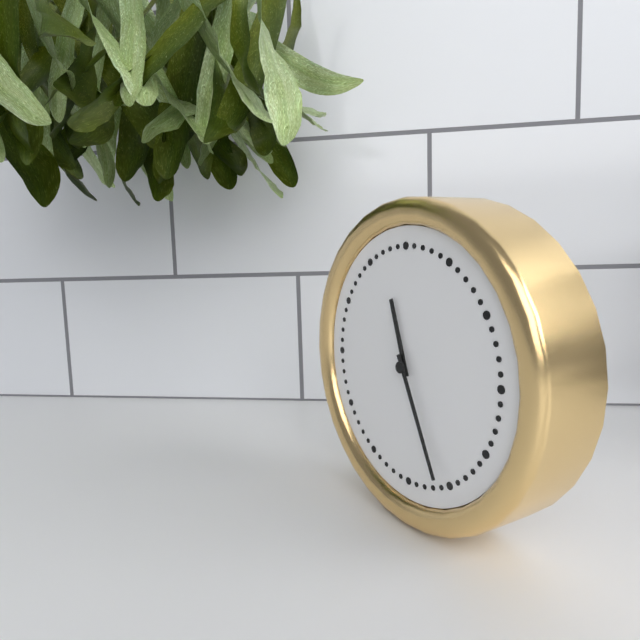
{"hour": 11, "minute": 26}
